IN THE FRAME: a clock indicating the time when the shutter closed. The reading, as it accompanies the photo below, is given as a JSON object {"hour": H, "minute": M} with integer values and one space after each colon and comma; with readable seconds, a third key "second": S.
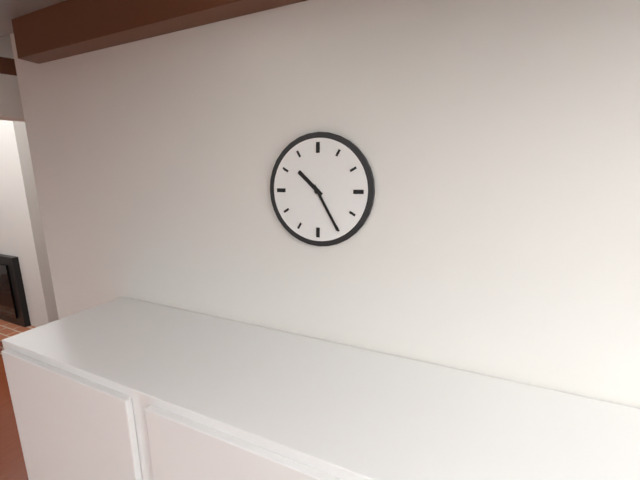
{"hour": 10, "minute": 25}
